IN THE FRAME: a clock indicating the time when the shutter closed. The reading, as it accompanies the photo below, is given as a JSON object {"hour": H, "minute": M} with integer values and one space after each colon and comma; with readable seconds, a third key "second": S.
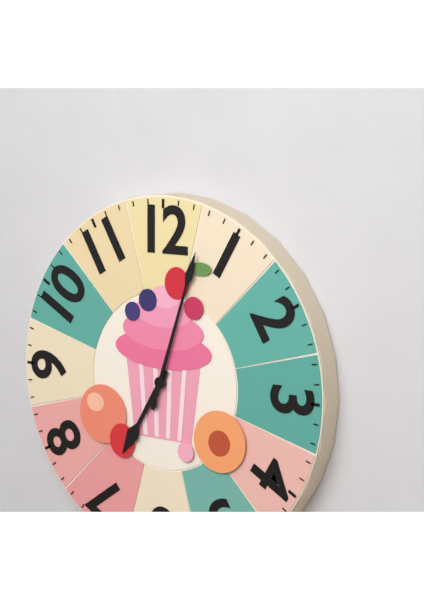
{"hour": 7, "minute": 3}
